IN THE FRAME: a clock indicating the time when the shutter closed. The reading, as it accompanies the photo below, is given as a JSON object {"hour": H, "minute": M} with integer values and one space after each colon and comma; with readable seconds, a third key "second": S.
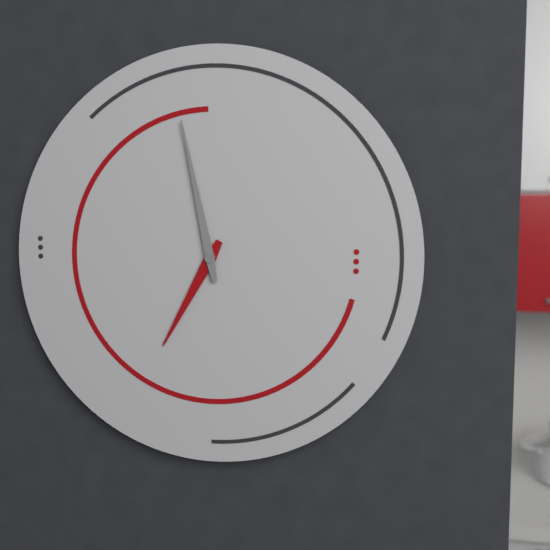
{"hour": 6, "minute": 58}
